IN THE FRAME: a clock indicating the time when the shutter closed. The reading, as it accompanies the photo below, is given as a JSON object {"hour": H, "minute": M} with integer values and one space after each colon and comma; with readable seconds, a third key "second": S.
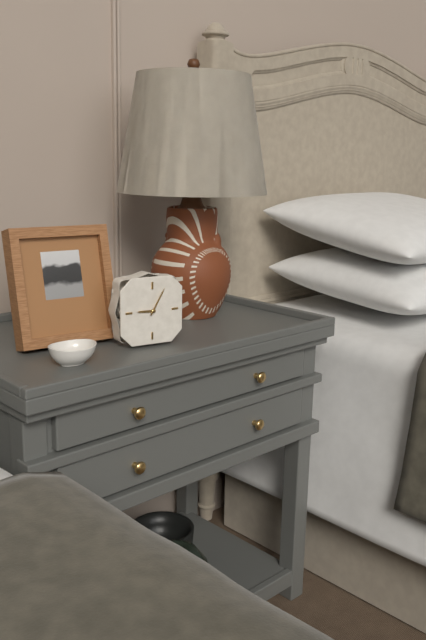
{"hour": 9, "minute": 5}
